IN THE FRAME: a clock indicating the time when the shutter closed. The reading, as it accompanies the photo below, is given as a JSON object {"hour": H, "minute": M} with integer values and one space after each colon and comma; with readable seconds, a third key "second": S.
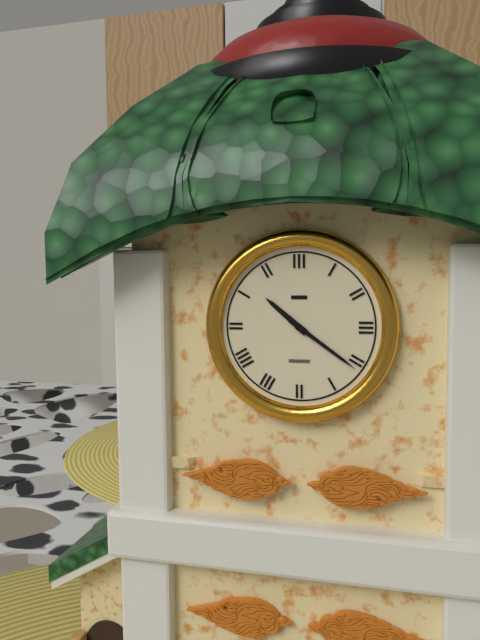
{"hour": 10, "minute": 21}
